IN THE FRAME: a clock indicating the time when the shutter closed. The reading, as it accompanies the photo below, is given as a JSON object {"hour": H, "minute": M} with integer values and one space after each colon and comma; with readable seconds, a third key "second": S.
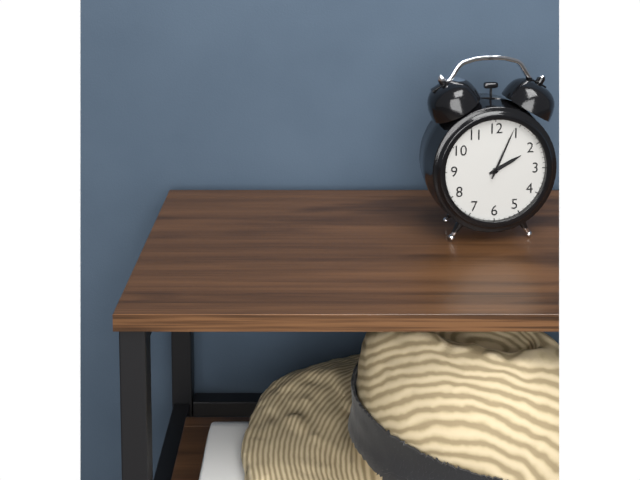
{"hour": 2, "minute": 4}
